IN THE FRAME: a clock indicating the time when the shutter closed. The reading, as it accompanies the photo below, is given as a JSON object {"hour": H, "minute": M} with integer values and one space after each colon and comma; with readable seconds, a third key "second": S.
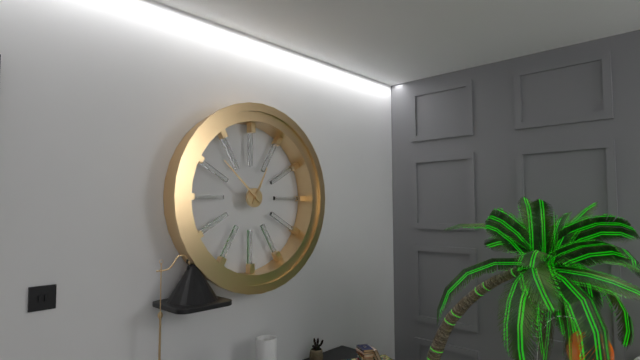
{"hour": 12, "minute": 52}
